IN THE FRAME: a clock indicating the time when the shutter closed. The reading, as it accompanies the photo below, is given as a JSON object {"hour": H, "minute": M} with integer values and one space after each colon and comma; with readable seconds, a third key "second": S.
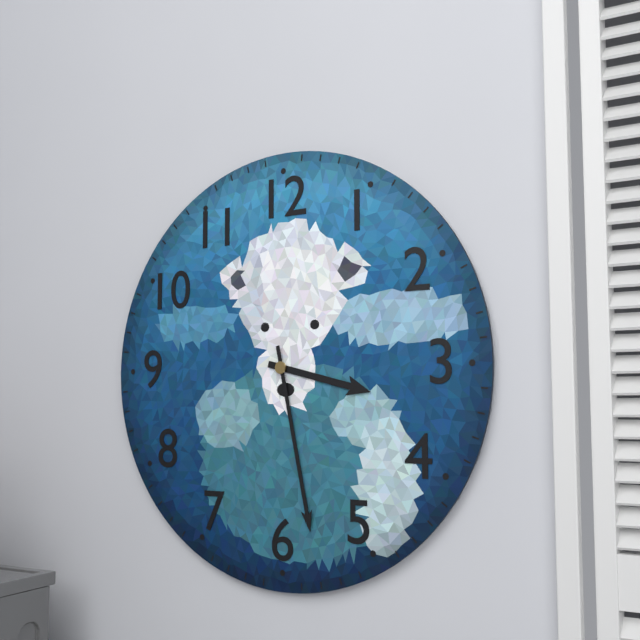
{"hour": 3, "minute": 28}
